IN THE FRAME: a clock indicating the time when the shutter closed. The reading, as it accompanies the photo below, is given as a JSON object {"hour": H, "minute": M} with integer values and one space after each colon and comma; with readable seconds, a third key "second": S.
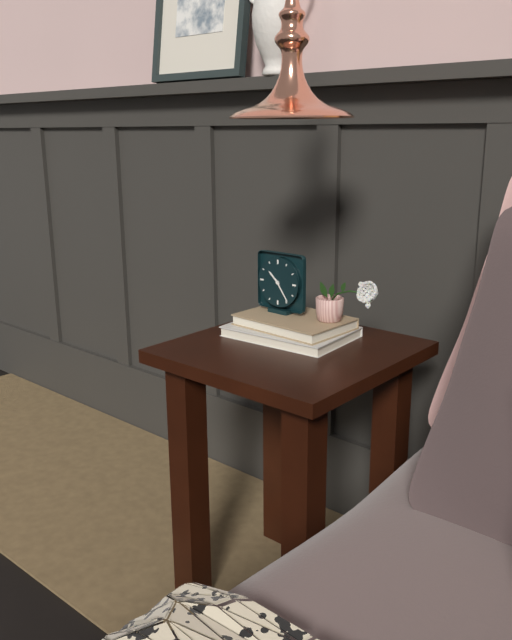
{"hour": 10, "minute": 24}
